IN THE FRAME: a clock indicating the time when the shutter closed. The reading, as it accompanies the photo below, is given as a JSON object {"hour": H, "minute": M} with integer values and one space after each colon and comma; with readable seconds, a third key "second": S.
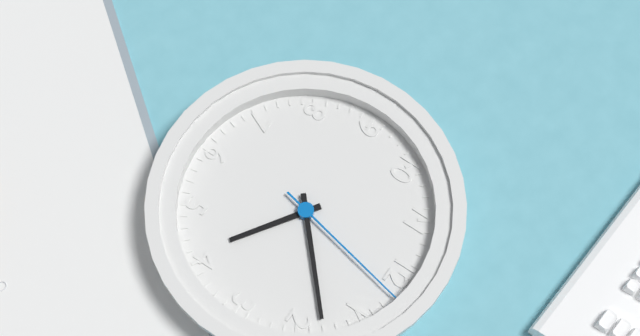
{"hour": 4, "minute": 8, "second": 2}
